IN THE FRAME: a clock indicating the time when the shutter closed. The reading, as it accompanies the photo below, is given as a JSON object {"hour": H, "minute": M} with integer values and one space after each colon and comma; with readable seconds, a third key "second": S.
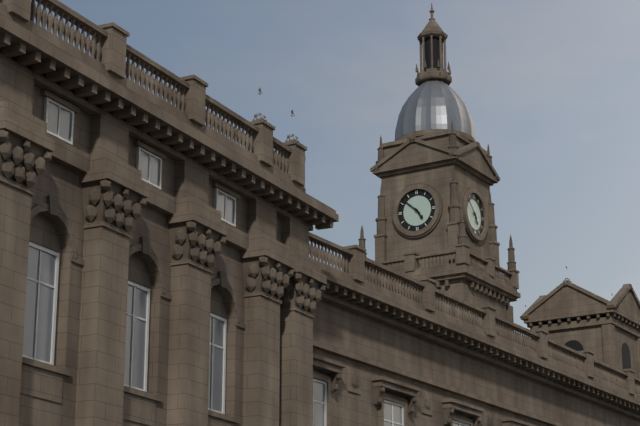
{"hour": 4, "minute": 52}
